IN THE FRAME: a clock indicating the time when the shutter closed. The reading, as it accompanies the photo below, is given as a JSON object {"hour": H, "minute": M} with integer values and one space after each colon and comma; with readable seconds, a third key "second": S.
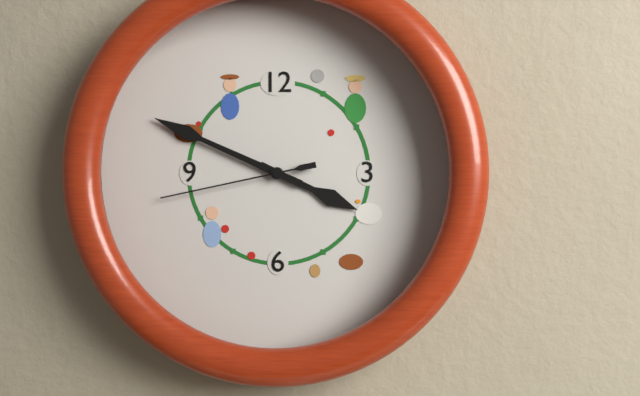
{"hour": 3, "minute": 49, "second": 43}
